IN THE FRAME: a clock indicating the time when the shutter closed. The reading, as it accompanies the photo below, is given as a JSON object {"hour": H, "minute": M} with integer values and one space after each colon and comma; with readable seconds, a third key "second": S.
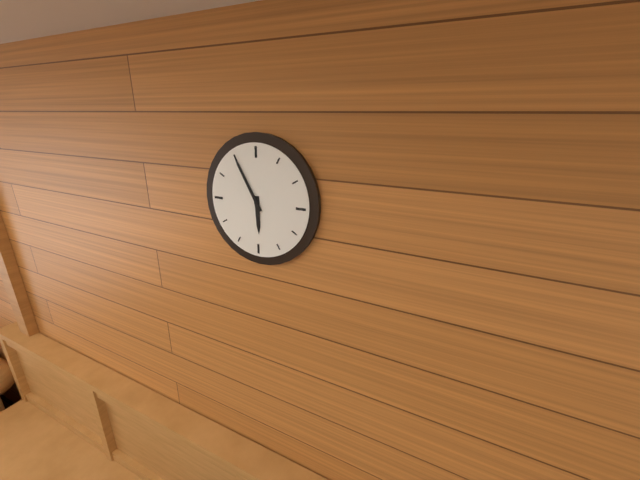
{"hour": 5, "minute": 55}
